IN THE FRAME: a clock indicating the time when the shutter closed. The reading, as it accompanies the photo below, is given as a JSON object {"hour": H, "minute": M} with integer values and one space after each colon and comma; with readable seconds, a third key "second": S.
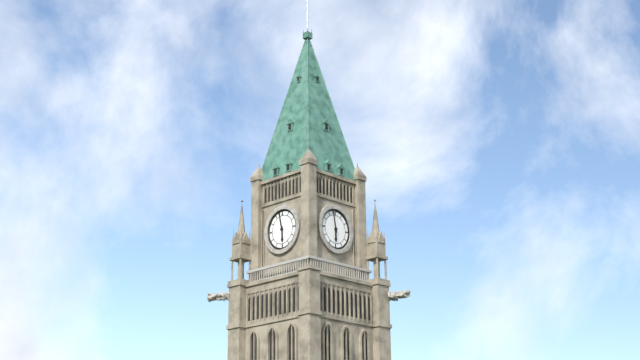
{"hour": 5, "minute": 58}
